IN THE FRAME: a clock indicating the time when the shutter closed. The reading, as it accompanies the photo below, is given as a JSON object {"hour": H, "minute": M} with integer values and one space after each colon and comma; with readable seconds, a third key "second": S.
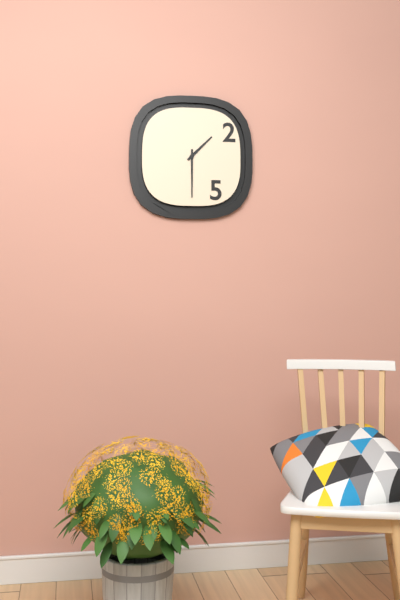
{"hour": 1, "minute": 30}
